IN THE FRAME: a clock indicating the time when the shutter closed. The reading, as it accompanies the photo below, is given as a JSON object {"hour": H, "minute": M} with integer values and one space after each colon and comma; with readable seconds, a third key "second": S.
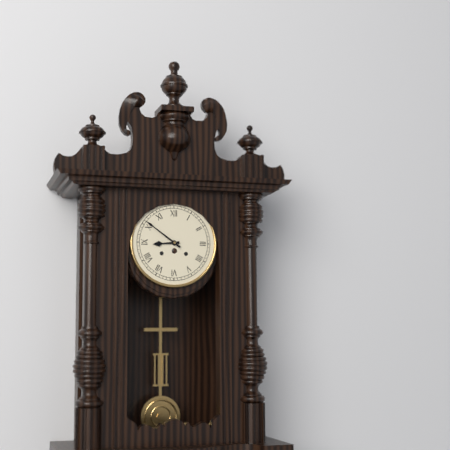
{"hour": 8, "minute": 51}
